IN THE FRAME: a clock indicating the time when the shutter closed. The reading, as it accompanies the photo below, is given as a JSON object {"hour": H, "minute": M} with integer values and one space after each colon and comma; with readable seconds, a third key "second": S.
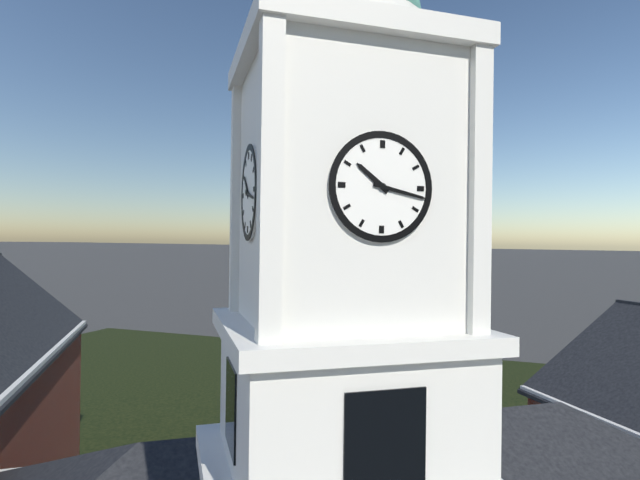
{"hour": 10, "minute": 17}
